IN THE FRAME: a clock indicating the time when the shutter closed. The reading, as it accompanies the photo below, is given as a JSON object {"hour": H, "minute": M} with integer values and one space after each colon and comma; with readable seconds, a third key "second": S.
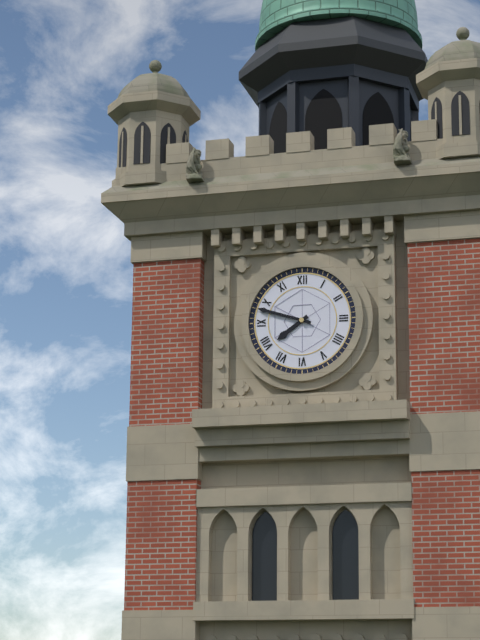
{"hour": 7, "minute": 48}
